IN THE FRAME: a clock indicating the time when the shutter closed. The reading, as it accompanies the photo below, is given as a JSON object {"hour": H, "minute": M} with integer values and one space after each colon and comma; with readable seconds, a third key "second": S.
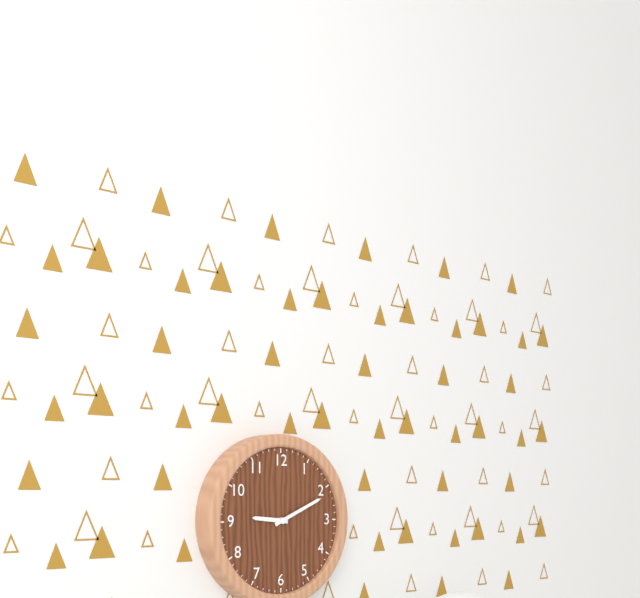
{"hour": 9, "minute": 11}
